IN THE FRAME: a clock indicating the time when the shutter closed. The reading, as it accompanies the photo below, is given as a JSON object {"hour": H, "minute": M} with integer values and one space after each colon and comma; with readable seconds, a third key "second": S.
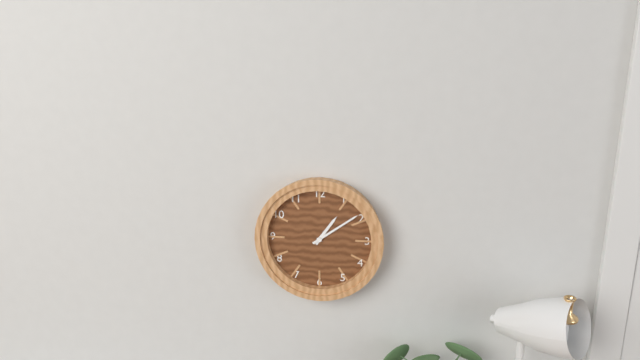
{"hour": 1, "minute": 9}
